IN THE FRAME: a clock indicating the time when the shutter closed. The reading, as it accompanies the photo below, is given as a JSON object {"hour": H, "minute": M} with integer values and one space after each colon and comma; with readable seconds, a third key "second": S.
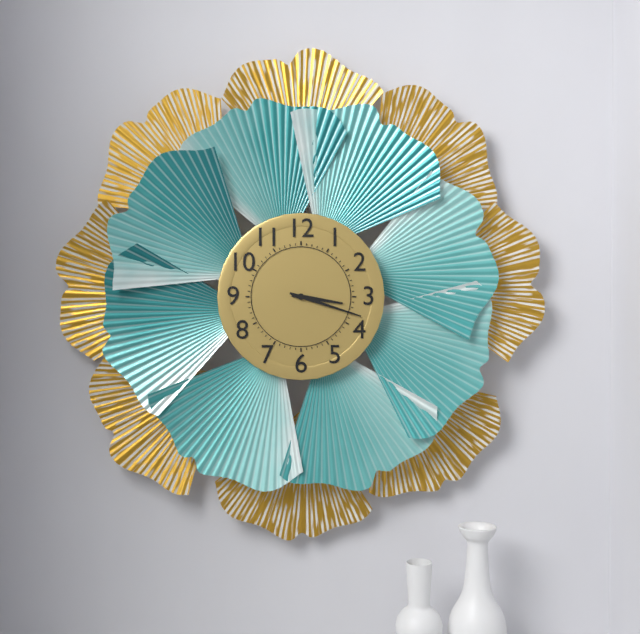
{"hour": 3, "minute": 18}
